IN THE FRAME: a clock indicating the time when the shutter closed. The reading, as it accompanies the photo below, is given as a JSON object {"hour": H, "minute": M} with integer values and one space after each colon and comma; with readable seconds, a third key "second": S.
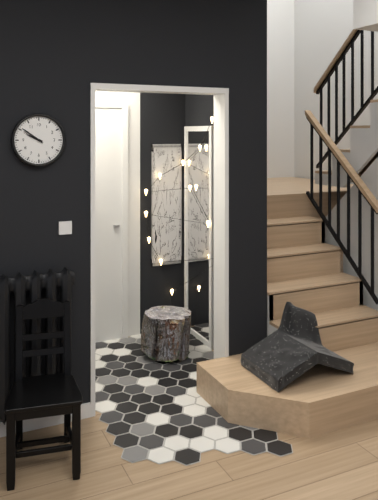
{"hour": 9, "minute": 51}
